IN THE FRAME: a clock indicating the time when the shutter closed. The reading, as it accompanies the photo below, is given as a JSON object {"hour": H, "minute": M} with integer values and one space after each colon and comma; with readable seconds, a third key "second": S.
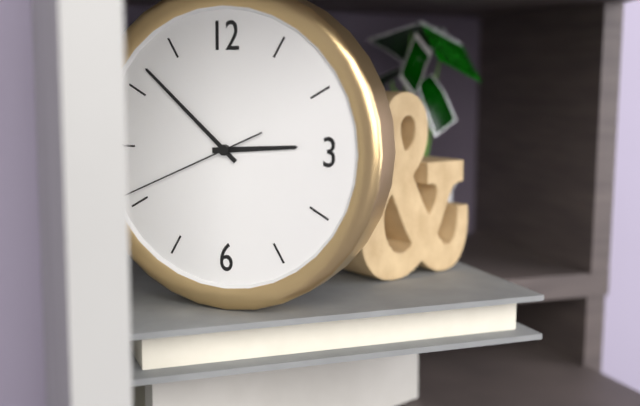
{"hour": 2, "minute": 52, "second": 41}
